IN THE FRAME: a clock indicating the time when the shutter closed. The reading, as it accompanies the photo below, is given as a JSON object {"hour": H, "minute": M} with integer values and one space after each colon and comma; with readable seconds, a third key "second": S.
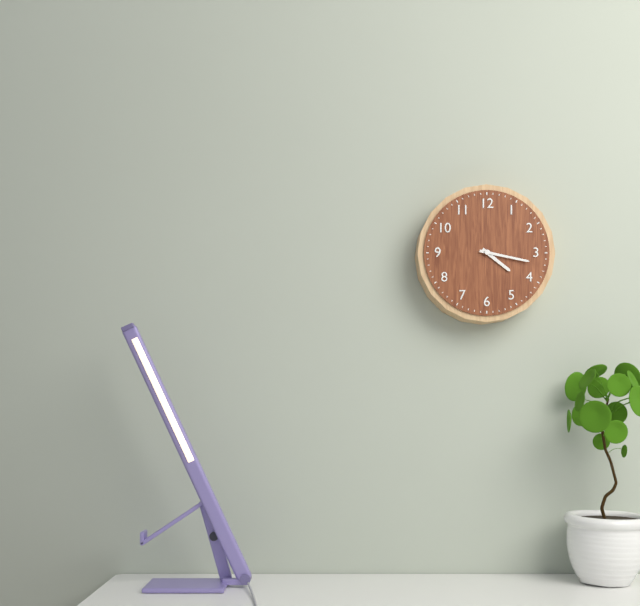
{"hour": 4, "minute": 17}
